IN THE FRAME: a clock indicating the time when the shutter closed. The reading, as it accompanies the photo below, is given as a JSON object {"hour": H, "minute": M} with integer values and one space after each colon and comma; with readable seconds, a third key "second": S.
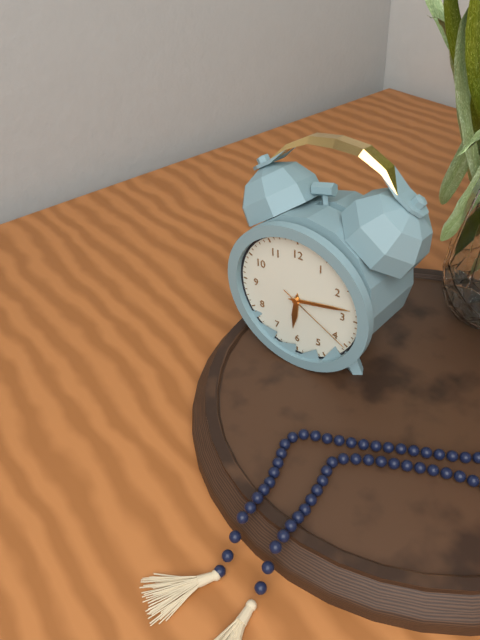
{"hour": 6, "minute": 13, "second": 20}
